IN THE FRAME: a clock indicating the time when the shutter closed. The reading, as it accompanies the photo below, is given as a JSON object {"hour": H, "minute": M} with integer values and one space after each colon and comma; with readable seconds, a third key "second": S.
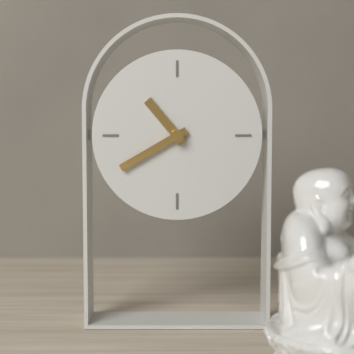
{"hour": 10, "minute": 40}
